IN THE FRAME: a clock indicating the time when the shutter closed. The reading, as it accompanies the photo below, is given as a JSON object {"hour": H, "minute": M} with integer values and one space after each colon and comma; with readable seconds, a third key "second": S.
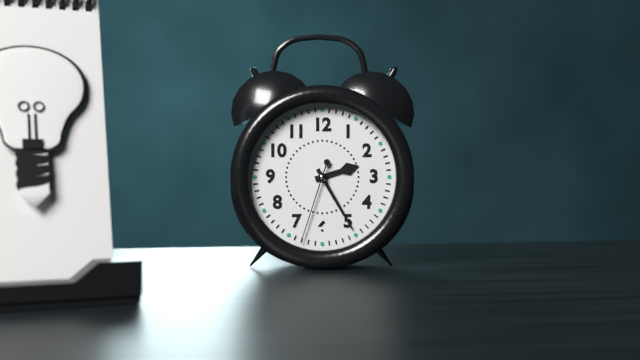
{"hour": 2, "minute": 25, "second": 33}
